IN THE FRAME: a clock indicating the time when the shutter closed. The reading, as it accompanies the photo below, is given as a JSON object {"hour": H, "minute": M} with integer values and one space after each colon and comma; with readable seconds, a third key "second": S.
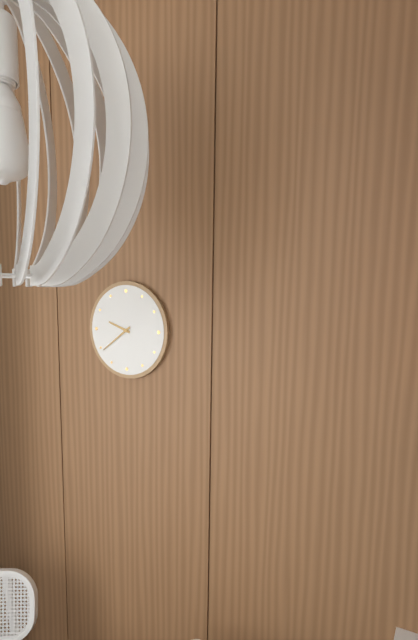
{"hour": 9, "minute": 39}
